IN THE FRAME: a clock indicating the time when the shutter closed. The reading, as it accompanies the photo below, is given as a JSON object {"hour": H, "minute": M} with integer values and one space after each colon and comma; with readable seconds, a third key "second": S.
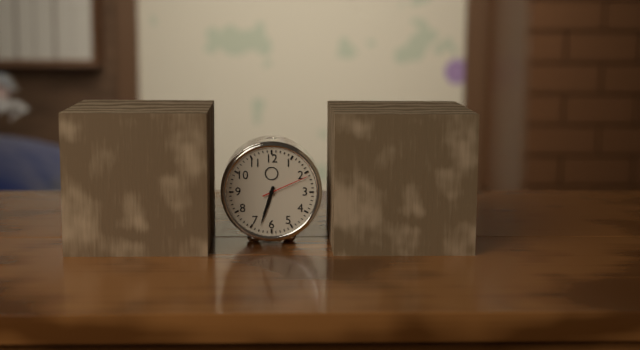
{"hour": 6, "minute": 33}
